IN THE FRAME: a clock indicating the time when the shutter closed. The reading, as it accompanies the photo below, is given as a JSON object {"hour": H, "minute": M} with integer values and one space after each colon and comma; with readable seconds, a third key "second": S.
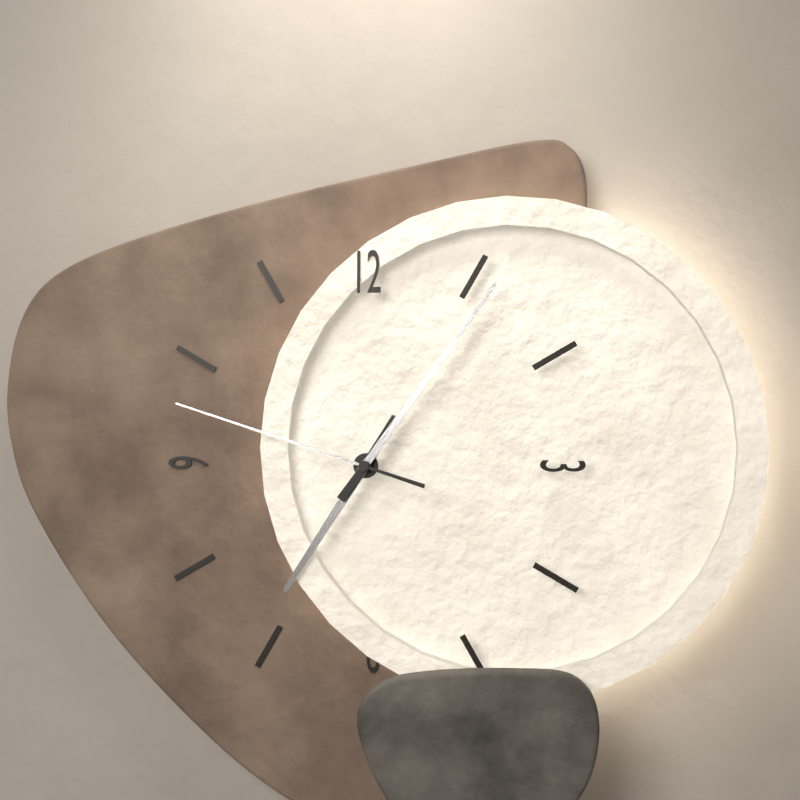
{"hour": 7, "minute": 6, "second": 48}
